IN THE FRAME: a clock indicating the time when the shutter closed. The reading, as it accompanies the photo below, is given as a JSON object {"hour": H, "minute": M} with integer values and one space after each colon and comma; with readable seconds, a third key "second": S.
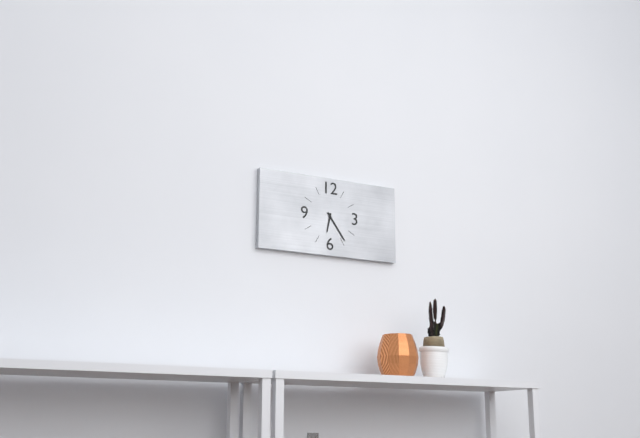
{"hour": 6, "minute": 24}
